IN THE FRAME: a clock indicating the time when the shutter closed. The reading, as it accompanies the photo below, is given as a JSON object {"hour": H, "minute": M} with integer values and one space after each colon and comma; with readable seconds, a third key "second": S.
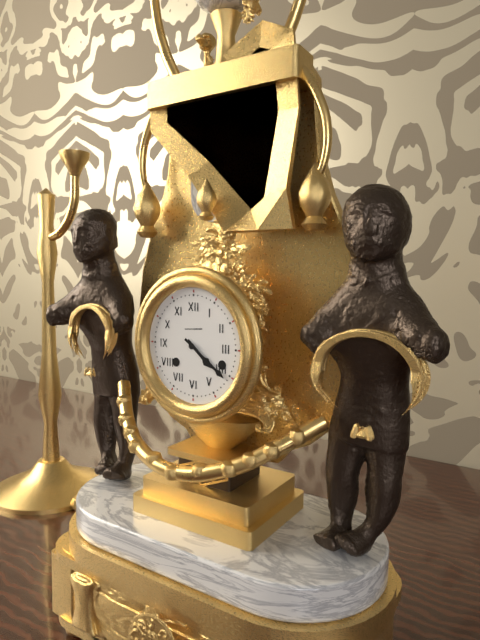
{"hour": 4, "minute": 21}
